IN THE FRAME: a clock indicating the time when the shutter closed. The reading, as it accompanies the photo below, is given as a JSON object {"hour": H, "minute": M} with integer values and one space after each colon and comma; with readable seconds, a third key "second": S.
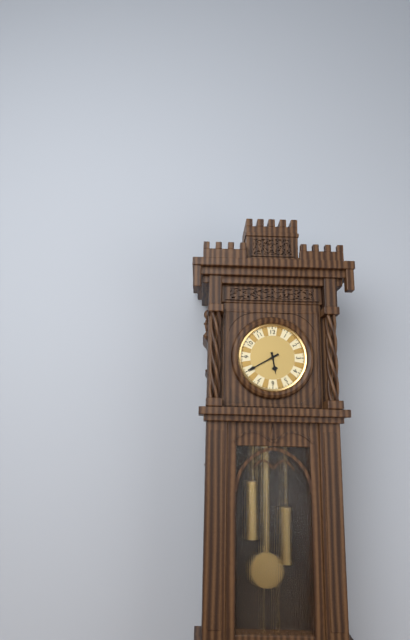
{"hour": 5, "minute": 40}
